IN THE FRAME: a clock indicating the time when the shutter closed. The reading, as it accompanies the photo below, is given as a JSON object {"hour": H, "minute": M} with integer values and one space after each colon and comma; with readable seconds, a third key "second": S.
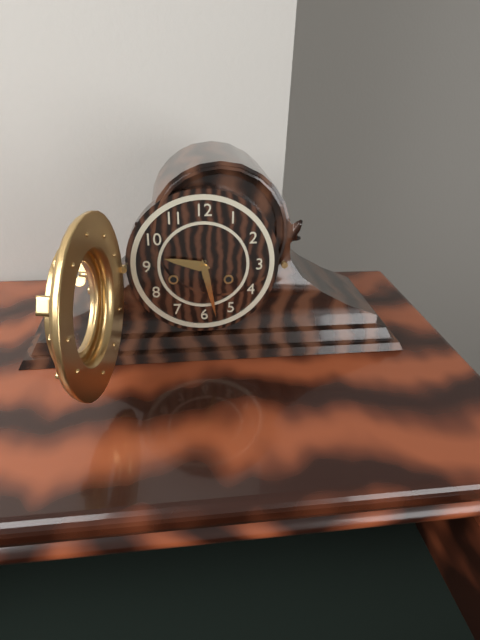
{"hour": 9, "minute": 28}
